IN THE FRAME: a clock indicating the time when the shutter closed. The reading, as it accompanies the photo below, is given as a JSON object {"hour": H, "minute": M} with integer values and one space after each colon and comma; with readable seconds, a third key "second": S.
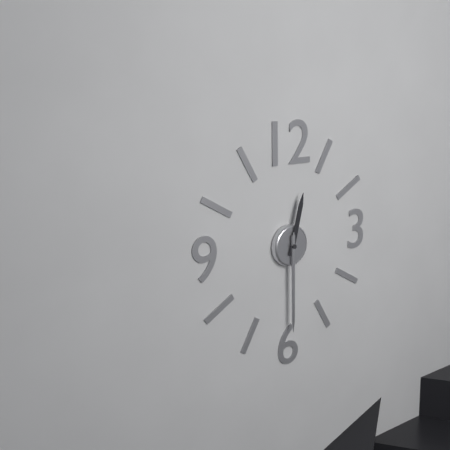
{"hour": 12, "minute": 30, "second": 30}
